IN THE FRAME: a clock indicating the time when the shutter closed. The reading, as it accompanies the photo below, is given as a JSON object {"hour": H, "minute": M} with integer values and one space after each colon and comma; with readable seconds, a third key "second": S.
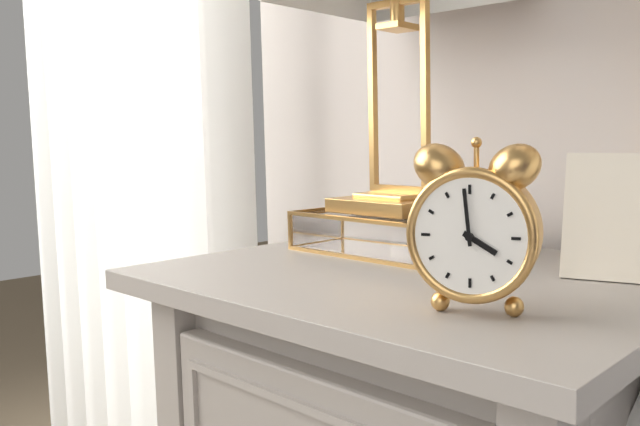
{"hour": 3, "minute": 59}
